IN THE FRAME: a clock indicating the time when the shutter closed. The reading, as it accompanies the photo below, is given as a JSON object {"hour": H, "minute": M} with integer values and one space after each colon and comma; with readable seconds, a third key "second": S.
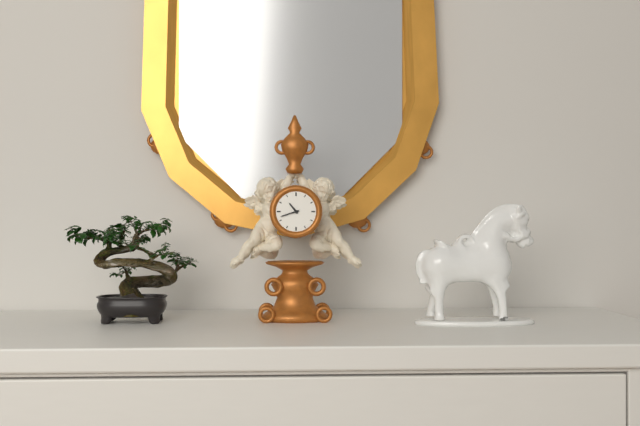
{"hour": 10, "minute": 42}
